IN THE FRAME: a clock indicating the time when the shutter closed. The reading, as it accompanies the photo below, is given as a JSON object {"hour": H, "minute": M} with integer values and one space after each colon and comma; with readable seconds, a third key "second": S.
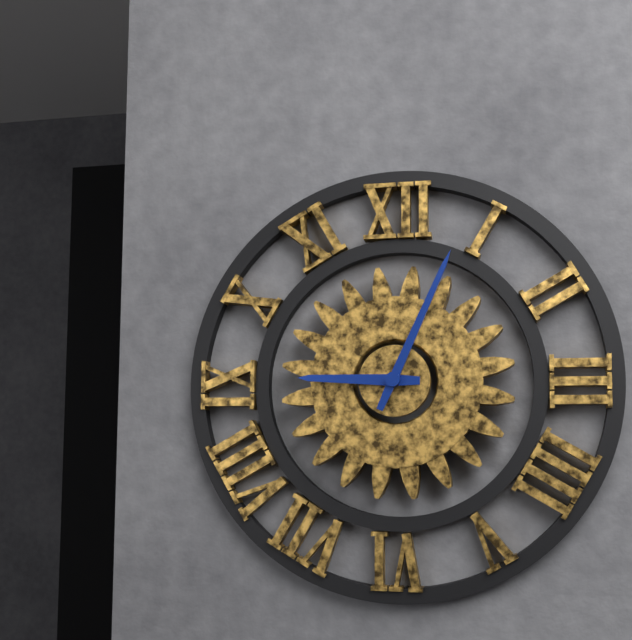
{"hour": 9, "minute": 4}
